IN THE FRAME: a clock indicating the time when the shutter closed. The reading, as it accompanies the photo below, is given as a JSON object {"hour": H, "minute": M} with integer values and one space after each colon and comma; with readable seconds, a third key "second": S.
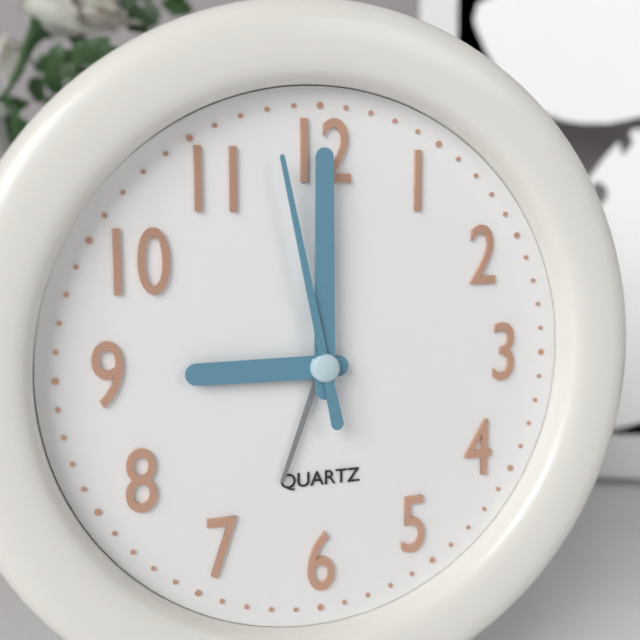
{"hour": 9, "minute": 0, "second": 58}
